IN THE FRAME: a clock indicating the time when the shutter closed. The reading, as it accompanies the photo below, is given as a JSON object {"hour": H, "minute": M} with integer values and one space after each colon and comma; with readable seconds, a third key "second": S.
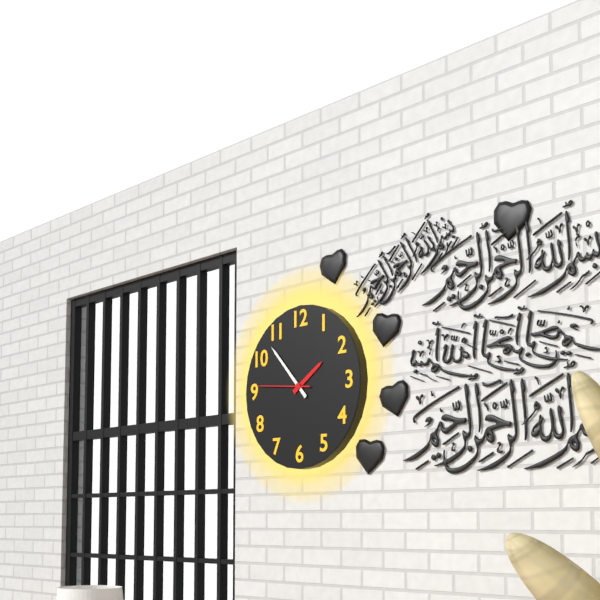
{"hour": 1, "minute": 53, "second": 46}
